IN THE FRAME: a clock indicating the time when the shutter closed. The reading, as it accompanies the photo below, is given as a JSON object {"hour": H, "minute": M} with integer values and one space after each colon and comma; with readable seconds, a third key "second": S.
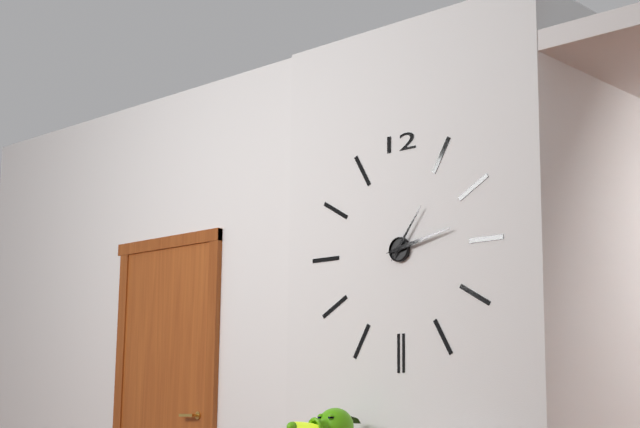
{"hour": 1, "minute": 13}
